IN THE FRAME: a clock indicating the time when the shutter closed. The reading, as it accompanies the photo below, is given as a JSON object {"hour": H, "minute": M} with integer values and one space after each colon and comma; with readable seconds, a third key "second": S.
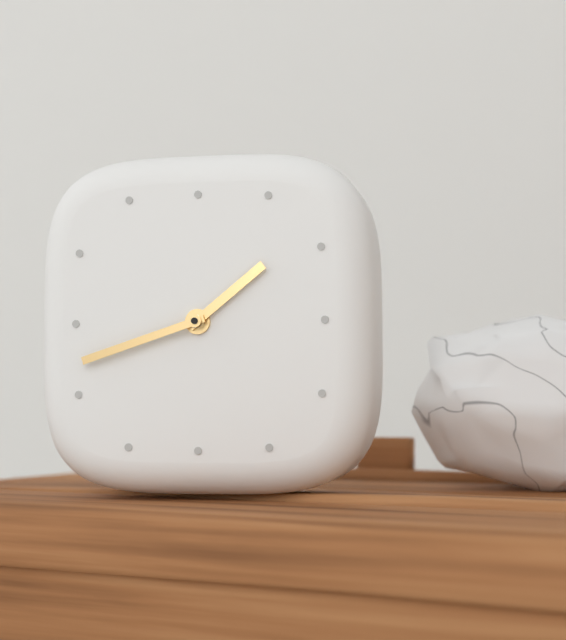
{"hour": 1, "minute": 42}
